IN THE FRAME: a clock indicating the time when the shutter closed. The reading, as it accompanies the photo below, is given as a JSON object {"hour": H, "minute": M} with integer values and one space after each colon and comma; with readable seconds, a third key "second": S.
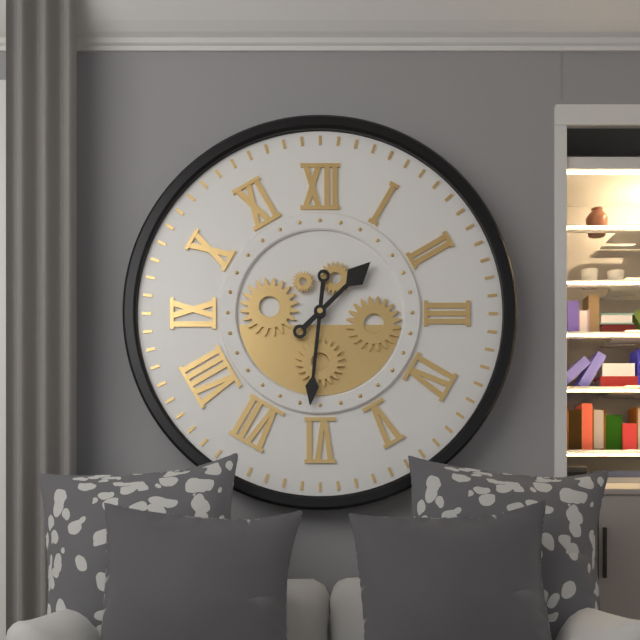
{"hour": 1, "minute": 31}
